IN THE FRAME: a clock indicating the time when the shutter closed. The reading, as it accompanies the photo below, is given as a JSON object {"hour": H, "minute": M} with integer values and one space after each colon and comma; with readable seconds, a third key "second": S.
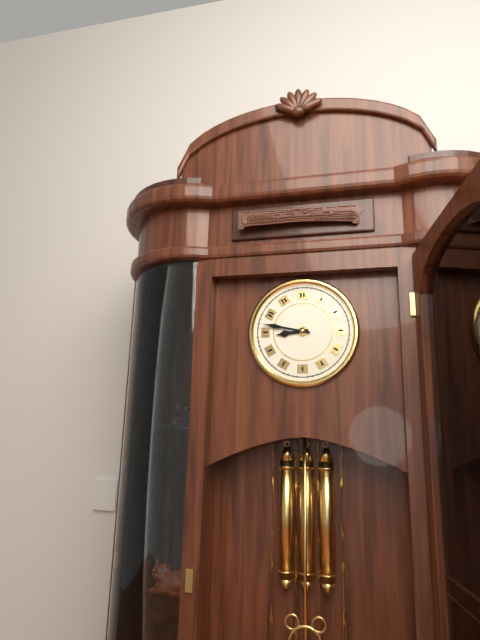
{"hour": 8, "minute": 47}
